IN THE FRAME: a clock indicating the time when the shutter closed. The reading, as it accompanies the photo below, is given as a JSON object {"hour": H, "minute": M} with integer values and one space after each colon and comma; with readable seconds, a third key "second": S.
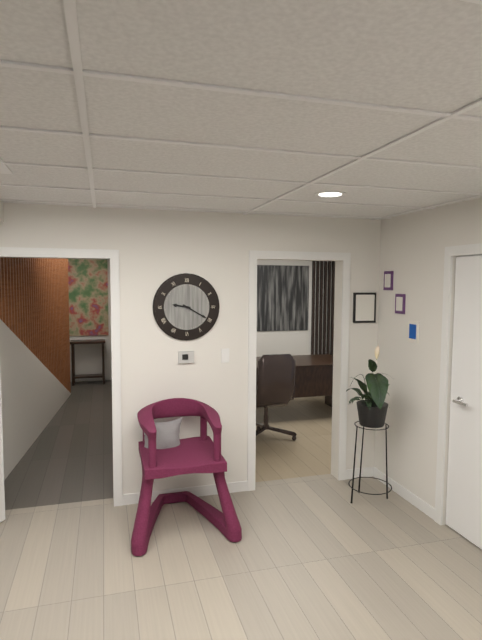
{"hour": 9, "minute": 20}
